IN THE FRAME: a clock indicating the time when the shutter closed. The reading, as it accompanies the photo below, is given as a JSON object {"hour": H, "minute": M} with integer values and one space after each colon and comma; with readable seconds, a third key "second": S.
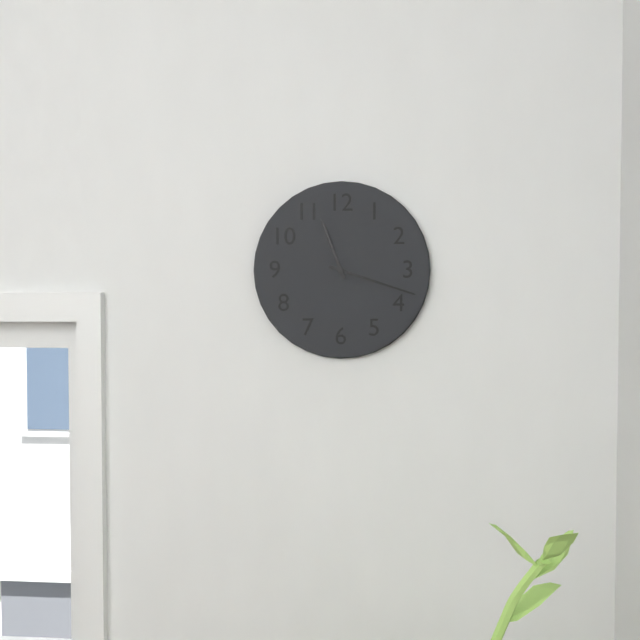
{"hour": 11, "minute": 18}
